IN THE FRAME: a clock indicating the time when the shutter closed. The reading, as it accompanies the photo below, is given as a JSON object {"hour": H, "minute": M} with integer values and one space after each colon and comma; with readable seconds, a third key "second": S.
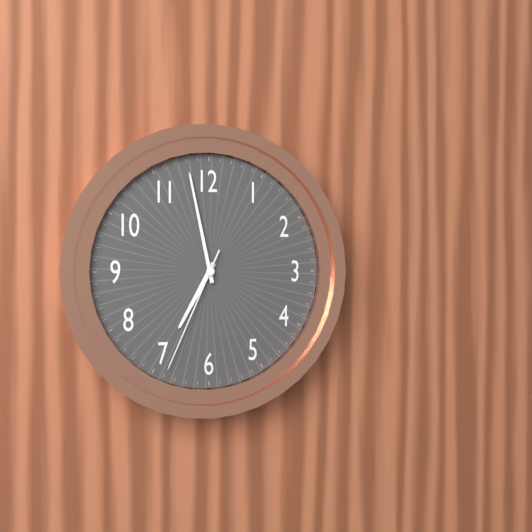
{"hour": 6, "minute": 58, "second": 34}
